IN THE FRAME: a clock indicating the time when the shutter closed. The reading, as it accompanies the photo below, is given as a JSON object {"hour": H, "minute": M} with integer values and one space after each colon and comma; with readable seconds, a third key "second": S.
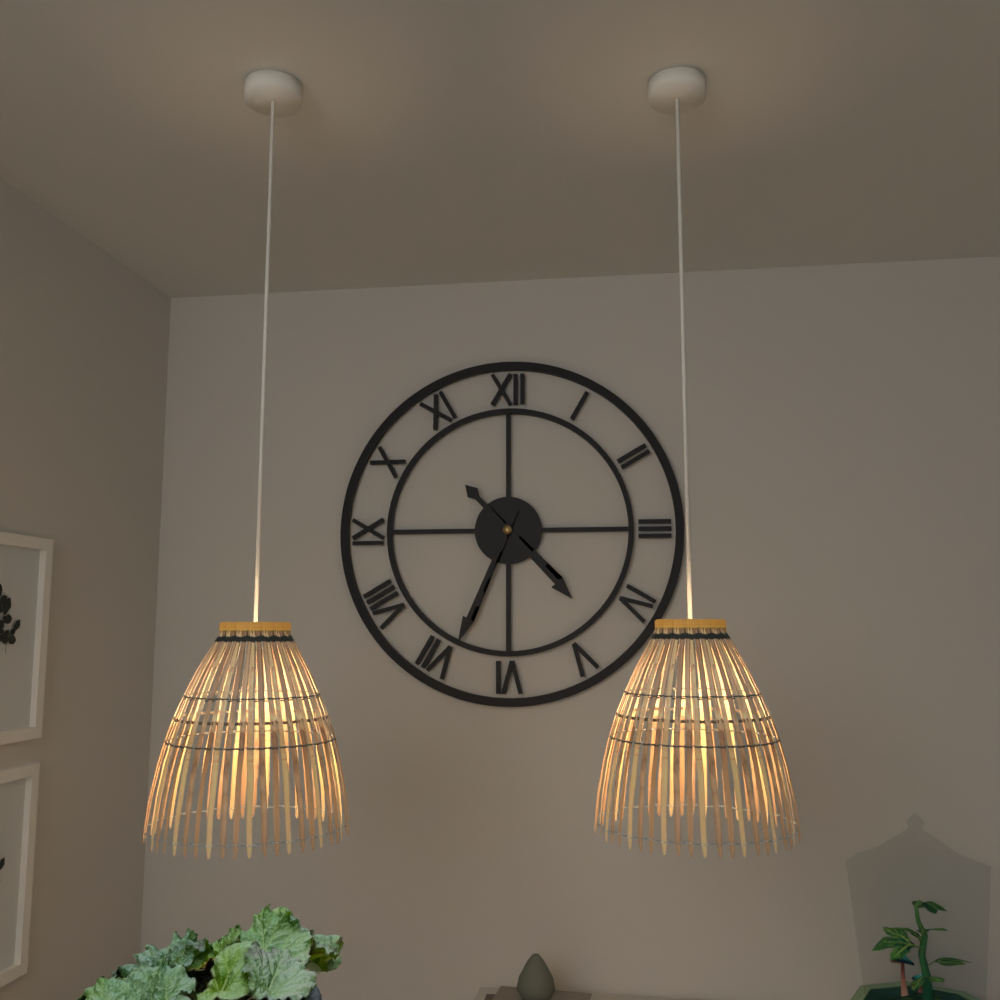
{"hour": 4, "minute": 34}
